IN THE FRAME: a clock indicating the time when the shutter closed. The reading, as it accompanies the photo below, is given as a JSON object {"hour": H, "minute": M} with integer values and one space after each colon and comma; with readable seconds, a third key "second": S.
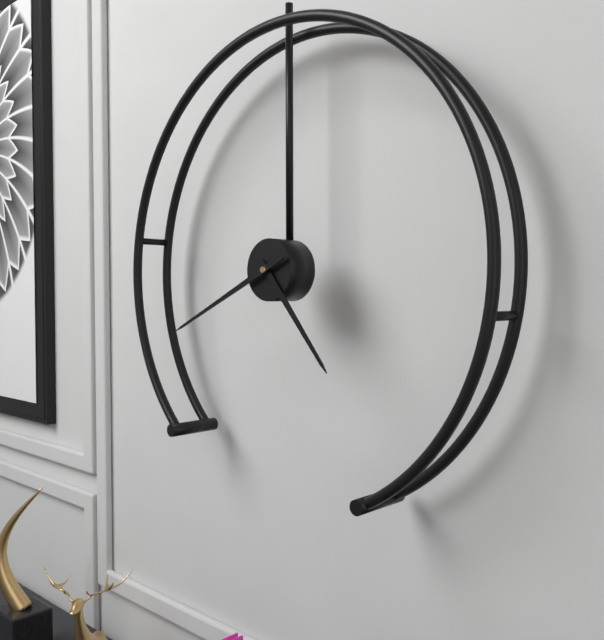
{"hour": 4, "minute": 41}
